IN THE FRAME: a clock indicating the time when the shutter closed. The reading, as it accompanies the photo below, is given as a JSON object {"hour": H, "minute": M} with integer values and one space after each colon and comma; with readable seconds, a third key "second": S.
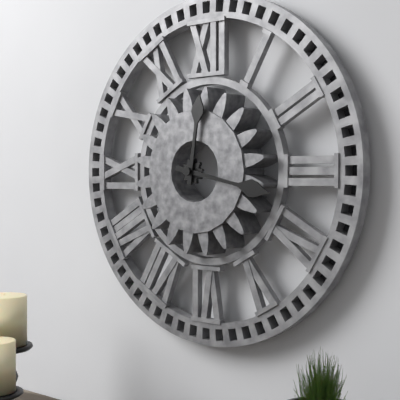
{"hour": 12, "minute": 17}
